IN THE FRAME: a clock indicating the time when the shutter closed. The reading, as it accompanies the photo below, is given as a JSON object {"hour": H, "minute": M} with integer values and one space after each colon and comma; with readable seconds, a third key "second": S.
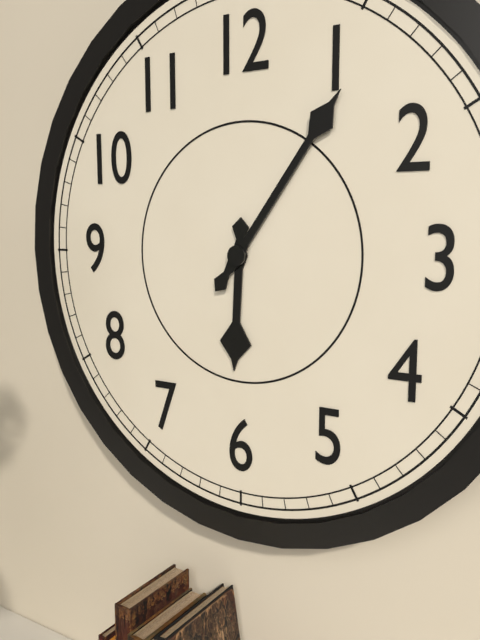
{"hour": 6, "minute": 6}
